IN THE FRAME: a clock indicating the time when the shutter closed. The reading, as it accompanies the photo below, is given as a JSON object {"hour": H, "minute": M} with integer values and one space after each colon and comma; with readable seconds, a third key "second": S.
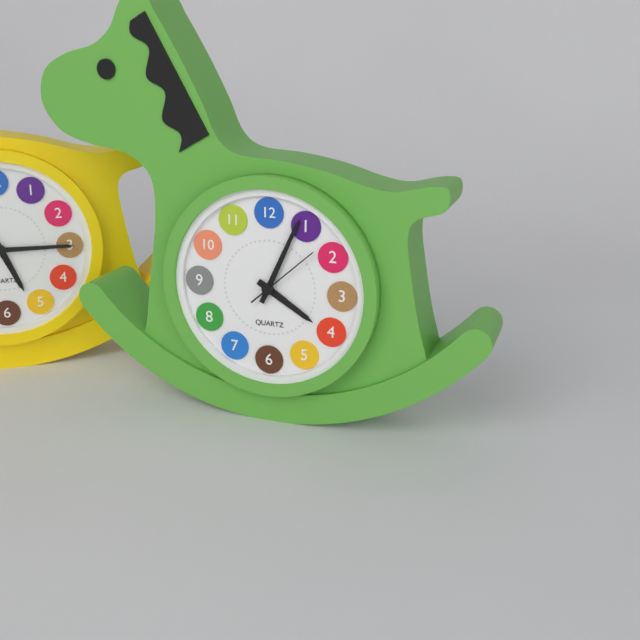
{"hour": 4, "minute": 4, "second": 8}
